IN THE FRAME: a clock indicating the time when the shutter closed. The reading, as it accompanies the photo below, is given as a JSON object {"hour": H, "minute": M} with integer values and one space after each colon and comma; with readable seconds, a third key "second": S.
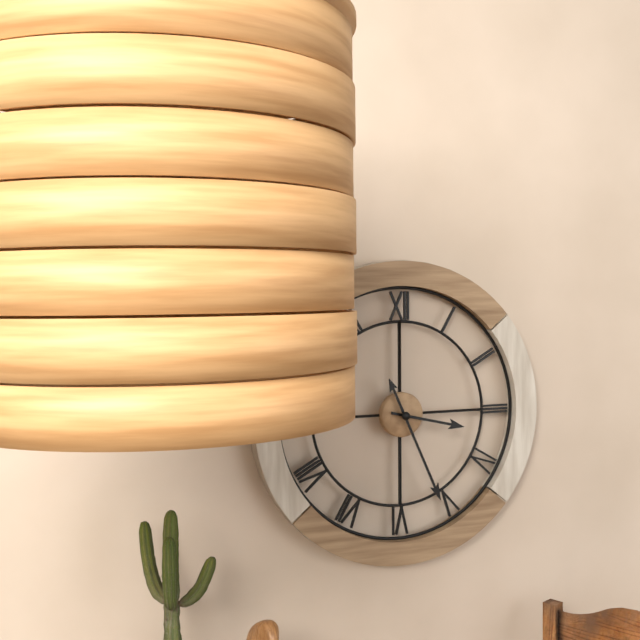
{"hour": 3, "minute": 26}
